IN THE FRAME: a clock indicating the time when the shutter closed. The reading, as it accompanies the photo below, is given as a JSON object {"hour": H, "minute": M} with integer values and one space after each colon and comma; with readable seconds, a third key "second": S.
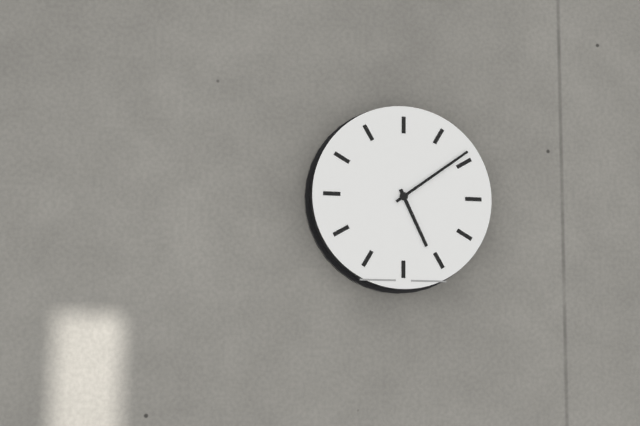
{"hour": 5, "minute": 9}
